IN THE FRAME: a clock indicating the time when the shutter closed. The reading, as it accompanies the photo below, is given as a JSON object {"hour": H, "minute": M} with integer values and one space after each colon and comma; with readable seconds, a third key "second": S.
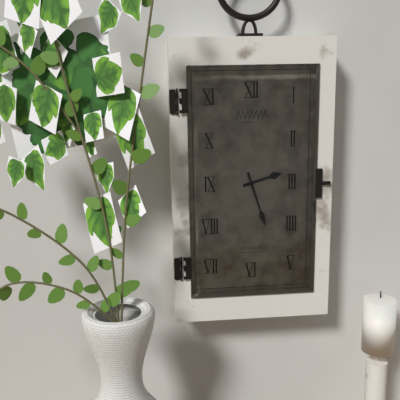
{"hour": 2, "minute": 27}
